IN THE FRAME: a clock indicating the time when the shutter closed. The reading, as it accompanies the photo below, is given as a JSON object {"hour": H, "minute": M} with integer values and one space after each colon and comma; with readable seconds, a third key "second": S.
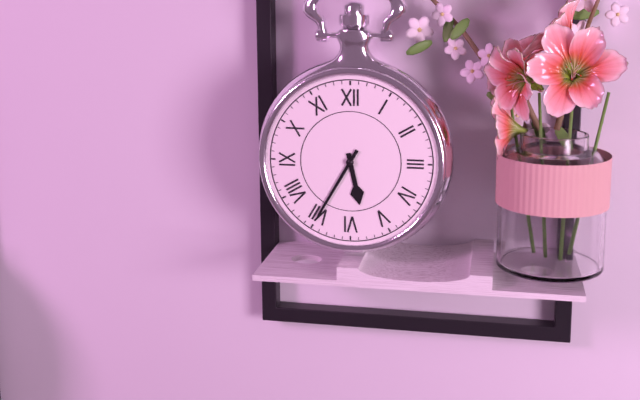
{"hour": 5, "minute": 35}
